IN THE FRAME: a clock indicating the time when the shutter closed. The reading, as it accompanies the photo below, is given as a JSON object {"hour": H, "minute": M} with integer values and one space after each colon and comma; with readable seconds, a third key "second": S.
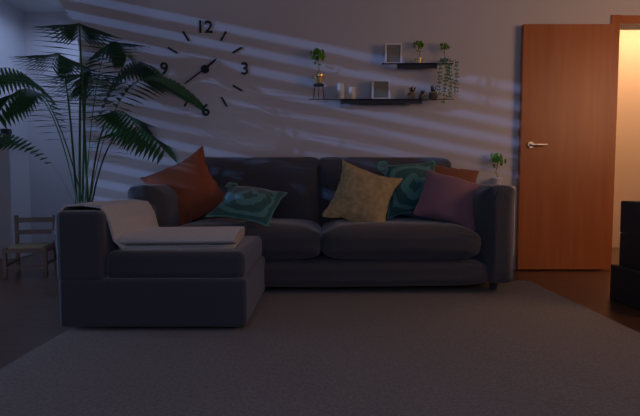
{"hour": 1, "minute": 39}
